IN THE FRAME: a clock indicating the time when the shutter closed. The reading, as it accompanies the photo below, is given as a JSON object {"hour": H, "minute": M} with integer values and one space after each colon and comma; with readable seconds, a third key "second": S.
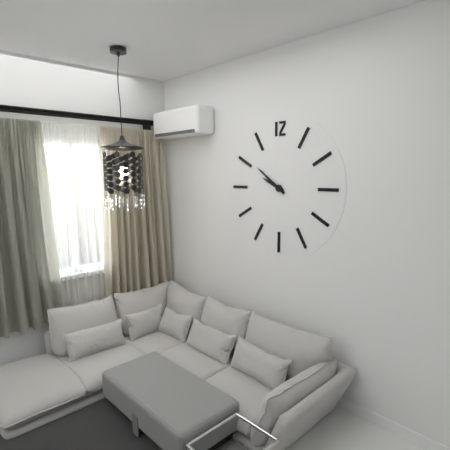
{"hour": 9, "minute": 51}
